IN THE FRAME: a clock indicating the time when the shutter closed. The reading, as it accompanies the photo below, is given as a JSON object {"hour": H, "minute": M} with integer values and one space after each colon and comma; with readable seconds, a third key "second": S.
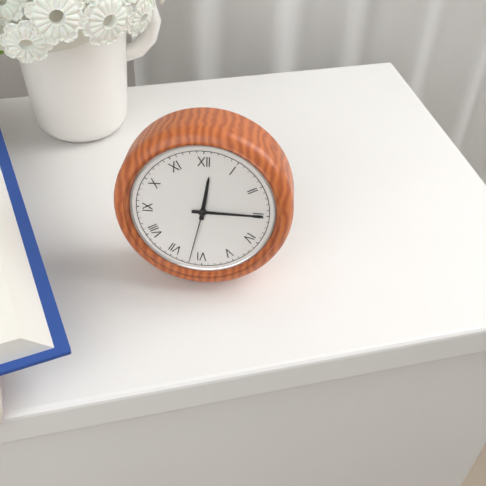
{"hour": 12, "minute": 15, "second": 32}
